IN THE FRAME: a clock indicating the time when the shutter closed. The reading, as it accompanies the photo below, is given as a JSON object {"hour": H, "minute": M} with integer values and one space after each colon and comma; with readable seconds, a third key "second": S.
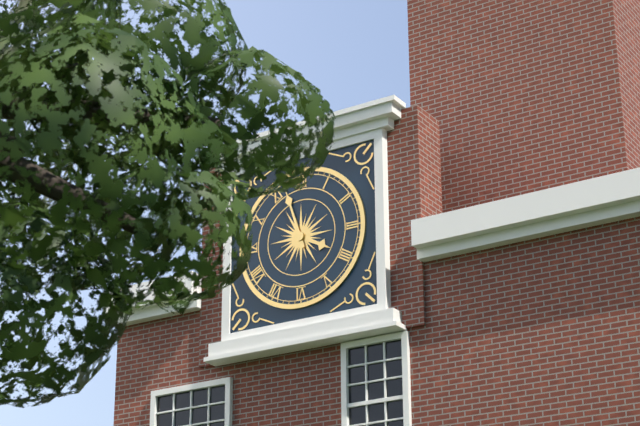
{"hour": 3, "minute": 57}
